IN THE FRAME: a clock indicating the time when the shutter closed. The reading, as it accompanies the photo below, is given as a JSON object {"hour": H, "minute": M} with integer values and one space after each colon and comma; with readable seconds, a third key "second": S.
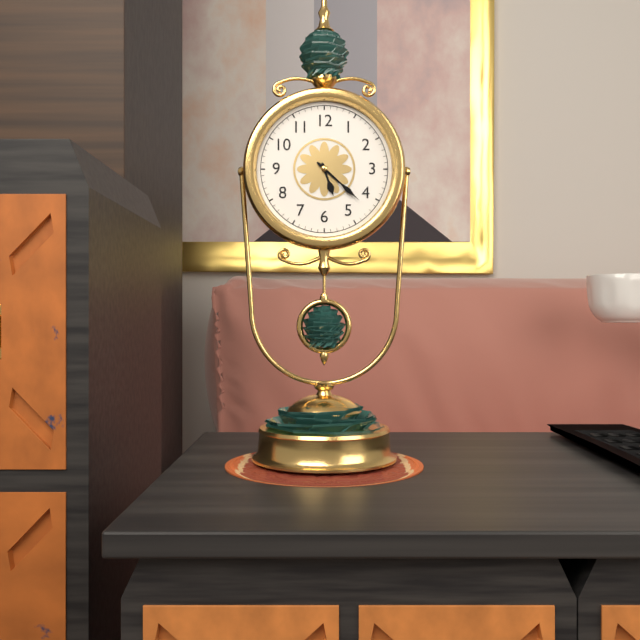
{"hour": 5, "minute": 22}
